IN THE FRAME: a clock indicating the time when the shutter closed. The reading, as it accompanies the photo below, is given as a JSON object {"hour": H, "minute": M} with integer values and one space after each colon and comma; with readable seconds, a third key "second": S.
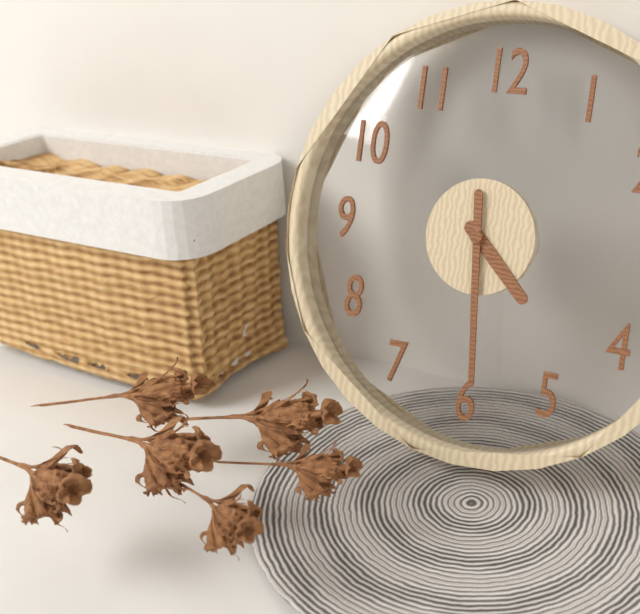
{"hour": 4, "minute": 29}
